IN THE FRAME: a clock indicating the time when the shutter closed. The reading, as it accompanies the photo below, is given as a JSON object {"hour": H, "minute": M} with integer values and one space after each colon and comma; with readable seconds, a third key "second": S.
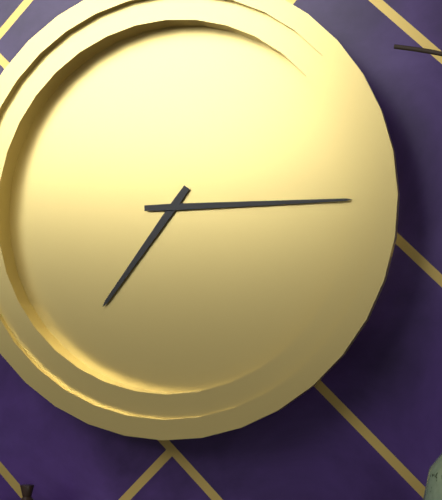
{"hour": 7, "minute": 15}
